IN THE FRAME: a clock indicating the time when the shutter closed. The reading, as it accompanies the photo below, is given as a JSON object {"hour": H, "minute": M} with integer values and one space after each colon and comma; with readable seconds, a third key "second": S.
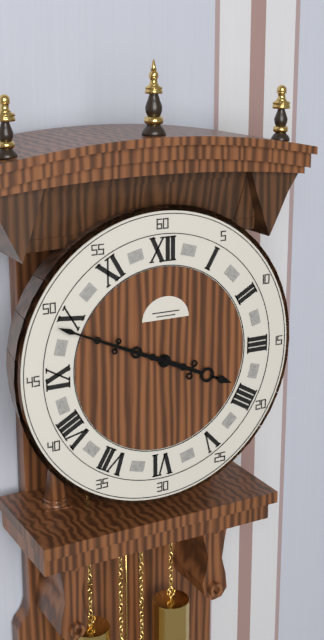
{"hour": 3, "minute": 49}
